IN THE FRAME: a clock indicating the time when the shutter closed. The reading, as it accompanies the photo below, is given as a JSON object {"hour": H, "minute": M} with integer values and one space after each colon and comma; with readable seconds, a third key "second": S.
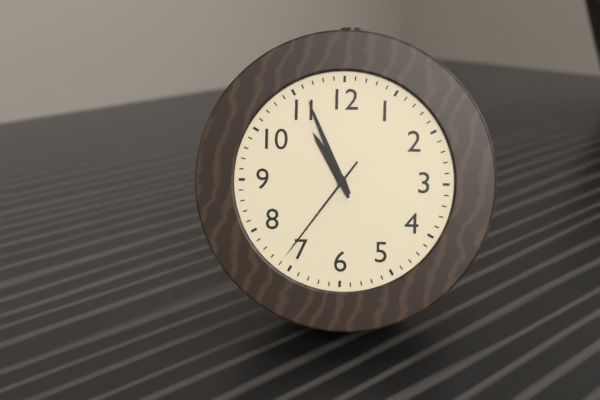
{"hour": 10, "minute": 56, "second": 36}
